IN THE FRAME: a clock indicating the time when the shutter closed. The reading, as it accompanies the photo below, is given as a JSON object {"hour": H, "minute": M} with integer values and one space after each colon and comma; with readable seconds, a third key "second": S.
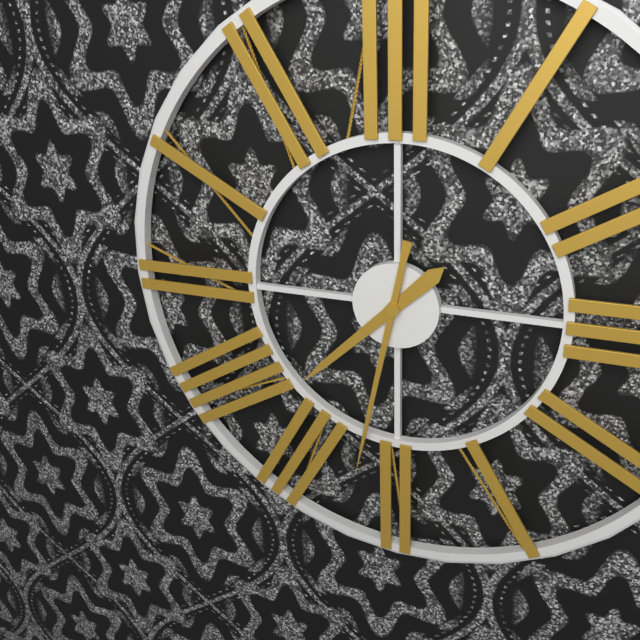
{"hour": 7, "minute": 32}
